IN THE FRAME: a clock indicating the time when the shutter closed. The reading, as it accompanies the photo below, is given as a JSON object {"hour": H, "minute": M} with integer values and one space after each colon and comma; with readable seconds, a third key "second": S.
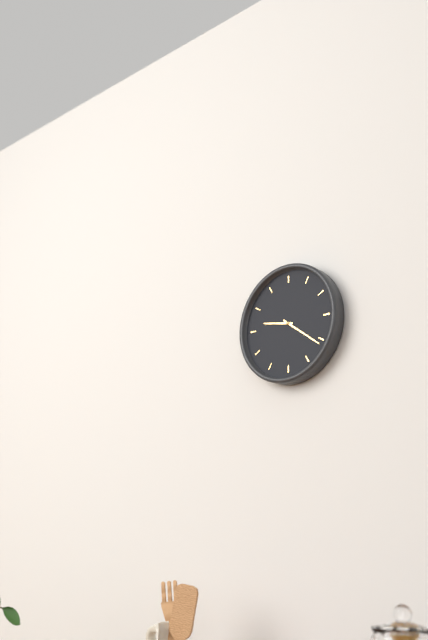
{"hour": 9, "minute": 21}
